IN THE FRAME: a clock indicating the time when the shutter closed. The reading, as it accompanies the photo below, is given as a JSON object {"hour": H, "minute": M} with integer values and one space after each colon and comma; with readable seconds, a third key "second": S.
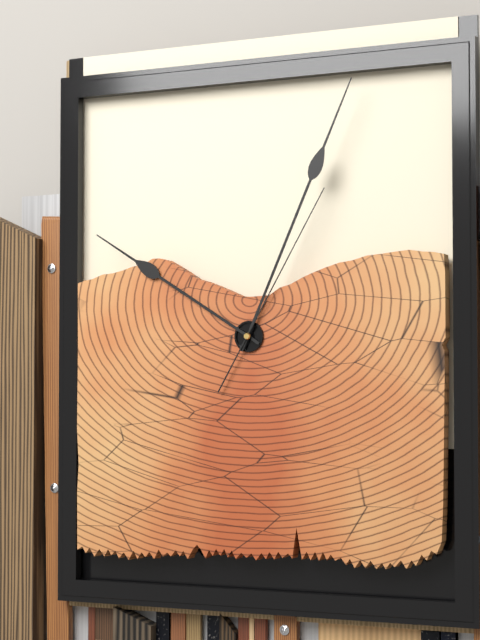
{"hour": 10, "minute": 4, "second": 5}
